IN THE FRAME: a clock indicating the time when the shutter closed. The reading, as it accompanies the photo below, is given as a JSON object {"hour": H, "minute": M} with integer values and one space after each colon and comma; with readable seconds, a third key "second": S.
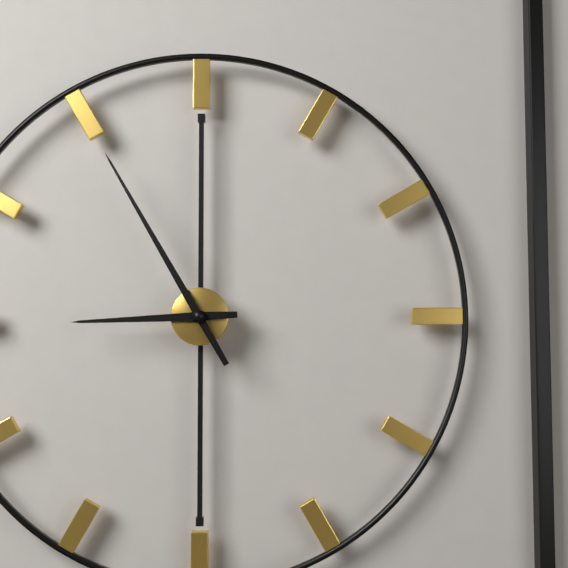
{"hour": 8, "minute": 55}
